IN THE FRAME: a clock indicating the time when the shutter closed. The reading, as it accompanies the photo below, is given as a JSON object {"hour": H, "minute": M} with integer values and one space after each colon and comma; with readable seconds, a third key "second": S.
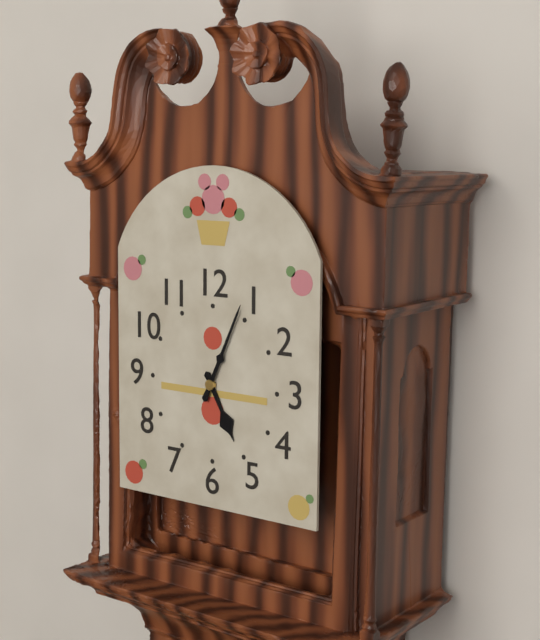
{"hour": 5, "minute": 4}
